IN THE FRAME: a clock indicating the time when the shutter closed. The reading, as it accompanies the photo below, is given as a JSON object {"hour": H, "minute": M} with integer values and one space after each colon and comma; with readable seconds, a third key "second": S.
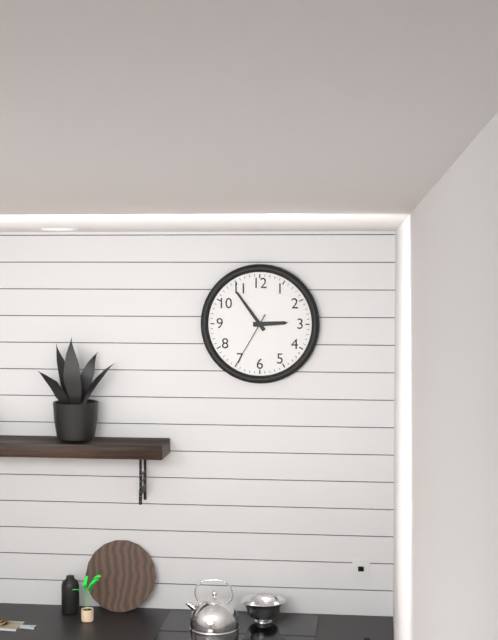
{"hour": 2, "minute": 54, "second": 35}
